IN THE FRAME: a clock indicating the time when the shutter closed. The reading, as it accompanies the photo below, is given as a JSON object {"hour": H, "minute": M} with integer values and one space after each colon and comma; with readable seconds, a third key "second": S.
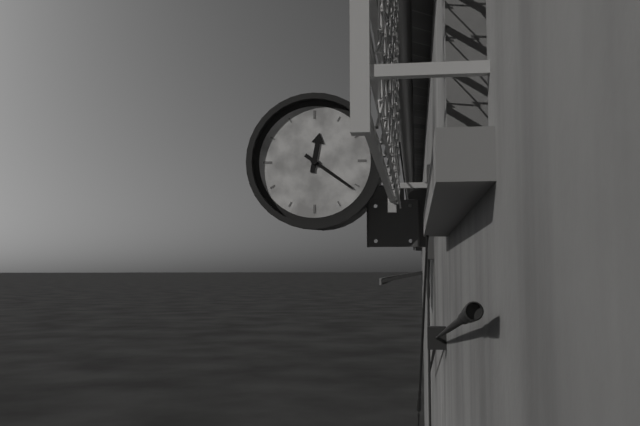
{"hour": 12, "minute": 21}
